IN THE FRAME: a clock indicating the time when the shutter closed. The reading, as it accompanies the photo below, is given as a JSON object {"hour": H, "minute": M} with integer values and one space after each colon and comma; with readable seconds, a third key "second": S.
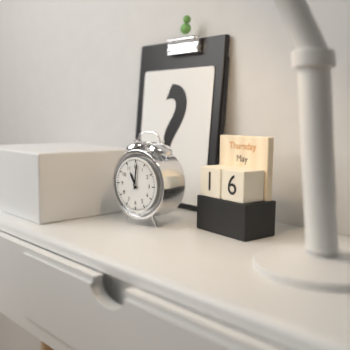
{"hour": 11, "minute": 1}
